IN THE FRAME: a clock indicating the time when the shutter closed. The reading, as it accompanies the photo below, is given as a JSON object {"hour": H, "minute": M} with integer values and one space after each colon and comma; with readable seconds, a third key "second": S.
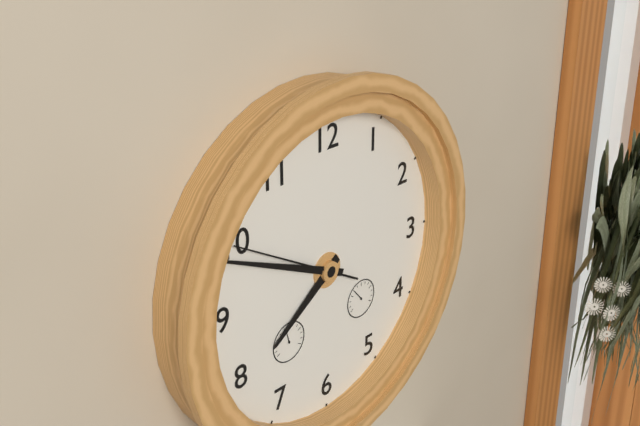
{"hour": 7, "minute": 49, "second": 50}
